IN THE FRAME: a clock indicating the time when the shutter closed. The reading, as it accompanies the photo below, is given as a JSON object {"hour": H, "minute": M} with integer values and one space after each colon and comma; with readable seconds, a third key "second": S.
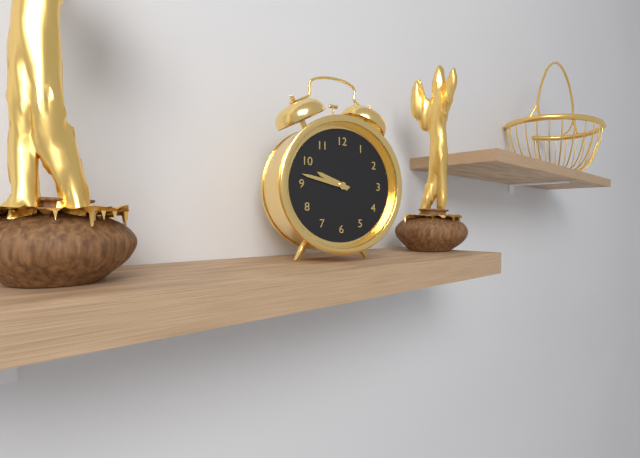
{"hour": 9, "minute": 47}
